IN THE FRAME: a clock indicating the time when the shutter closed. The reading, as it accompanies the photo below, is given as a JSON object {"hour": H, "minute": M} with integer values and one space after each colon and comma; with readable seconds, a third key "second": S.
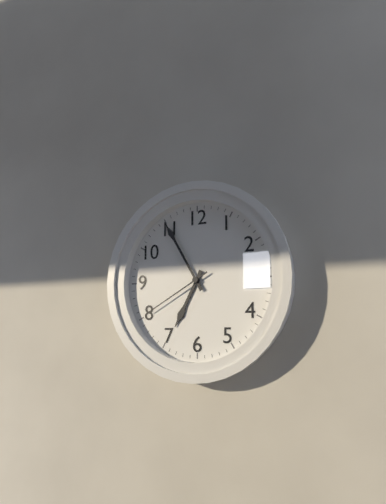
{"hour": 6, "minute": 55, "second": 40}
